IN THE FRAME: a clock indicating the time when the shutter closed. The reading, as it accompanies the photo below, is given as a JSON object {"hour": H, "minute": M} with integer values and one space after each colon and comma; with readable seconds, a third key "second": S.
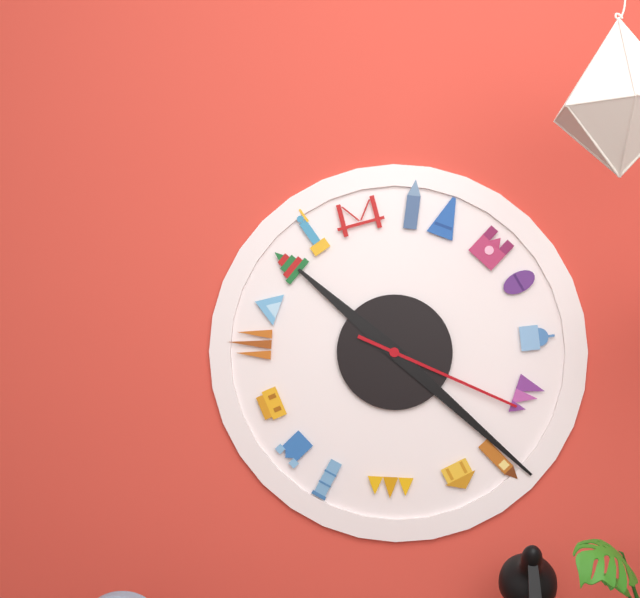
{"hour": 10, "minute": 22, "second": 19}
